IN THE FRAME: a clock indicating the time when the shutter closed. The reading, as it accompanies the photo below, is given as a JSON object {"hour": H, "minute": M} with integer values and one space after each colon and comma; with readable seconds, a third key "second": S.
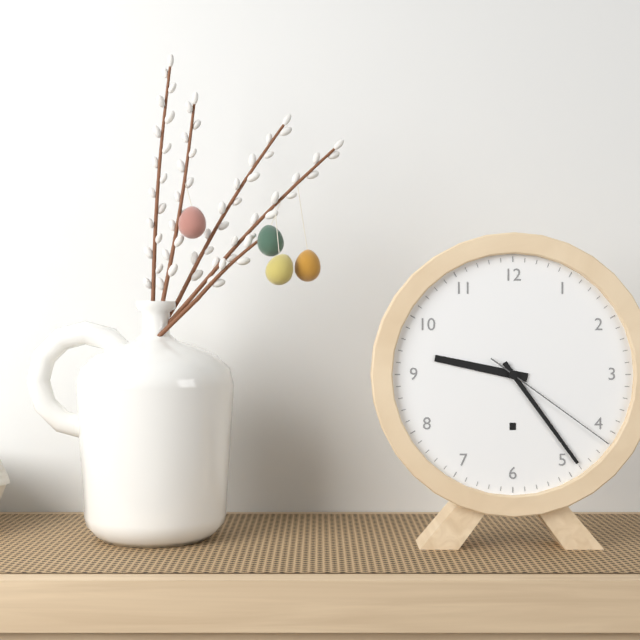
{"hour": 9, "minute": 24, "second": 21}
